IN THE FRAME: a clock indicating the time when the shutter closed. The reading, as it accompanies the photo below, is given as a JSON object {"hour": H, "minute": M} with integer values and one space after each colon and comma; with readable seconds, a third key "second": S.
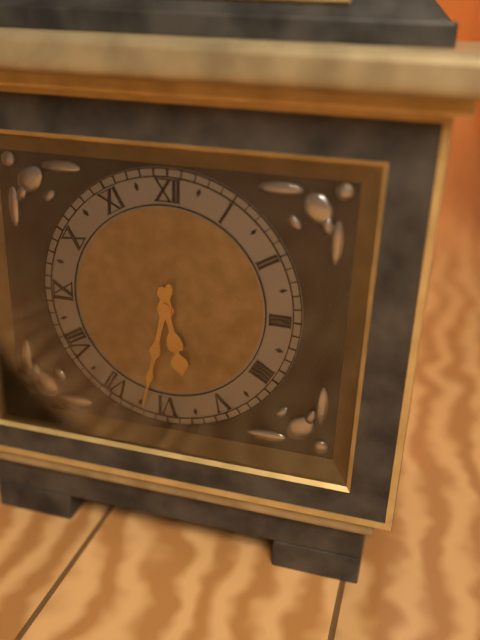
{"hour": 5, "minute": 32}
